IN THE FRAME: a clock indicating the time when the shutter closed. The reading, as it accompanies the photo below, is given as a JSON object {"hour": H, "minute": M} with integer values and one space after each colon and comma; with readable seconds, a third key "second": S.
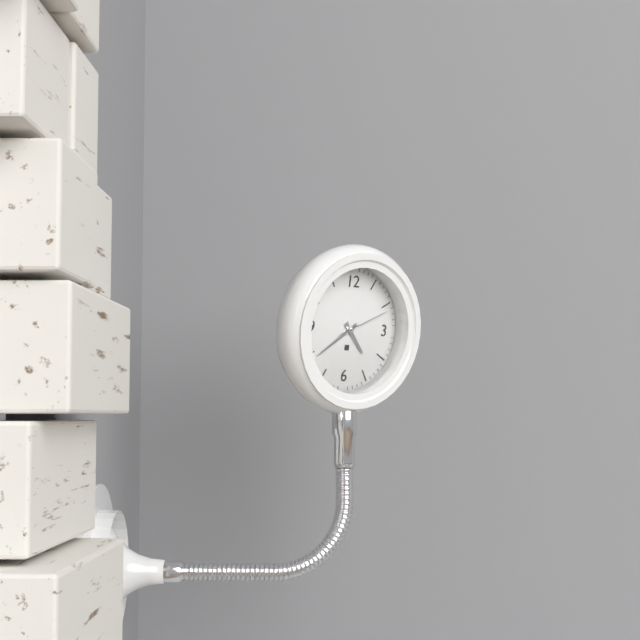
{"hour": 4, "minute": 39, "second": 11}
